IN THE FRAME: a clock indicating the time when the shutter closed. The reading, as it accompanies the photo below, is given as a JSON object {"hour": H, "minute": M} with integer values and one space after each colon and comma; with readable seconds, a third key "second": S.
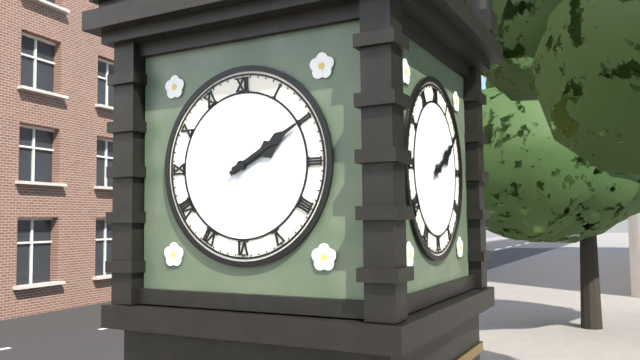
{"hour": 2, "minute": 10}
